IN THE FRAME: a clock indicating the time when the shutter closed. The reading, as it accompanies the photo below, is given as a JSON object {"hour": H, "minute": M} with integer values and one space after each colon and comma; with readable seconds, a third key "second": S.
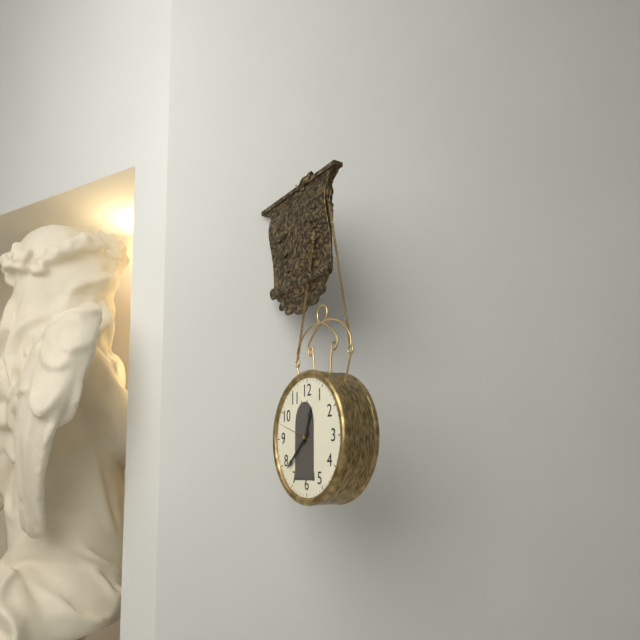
{"hour": 12, "minute": 38}
